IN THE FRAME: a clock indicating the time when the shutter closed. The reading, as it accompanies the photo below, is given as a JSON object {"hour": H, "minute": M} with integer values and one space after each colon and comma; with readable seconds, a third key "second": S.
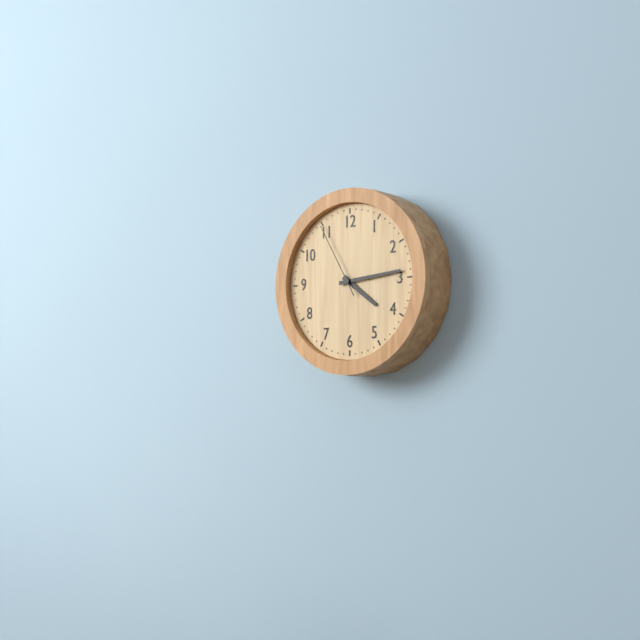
{"hour": 4, "minute": 14, "second": 55}
